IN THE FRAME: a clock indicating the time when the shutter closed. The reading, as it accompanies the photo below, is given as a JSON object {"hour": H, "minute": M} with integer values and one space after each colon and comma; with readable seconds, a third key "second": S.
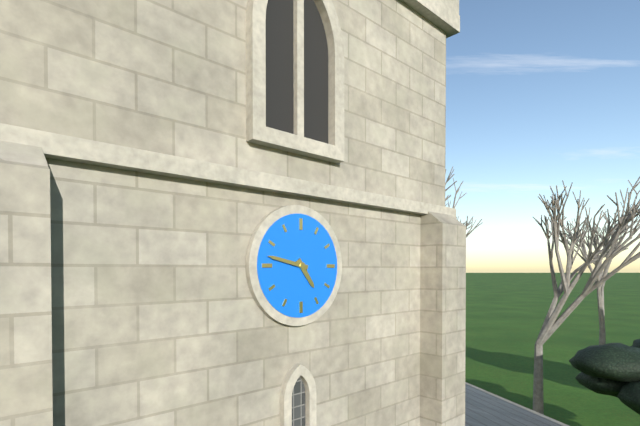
{"hour": 4, "minute": 47}
